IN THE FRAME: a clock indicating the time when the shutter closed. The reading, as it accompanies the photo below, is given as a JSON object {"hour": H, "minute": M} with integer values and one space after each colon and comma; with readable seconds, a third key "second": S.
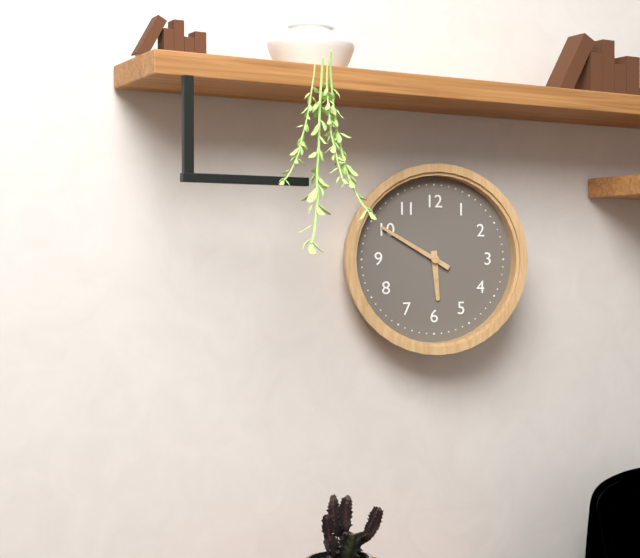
{"hour": 5, "minute": 50}
